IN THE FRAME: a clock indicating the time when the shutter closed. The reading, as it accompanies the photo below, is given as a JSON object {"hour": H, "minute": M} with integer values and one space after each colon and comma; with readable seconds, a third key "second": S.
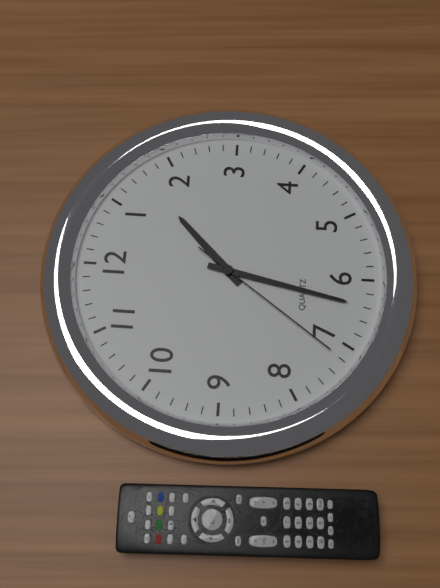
{"hour": 1, "minute": 32, "second": 36}
